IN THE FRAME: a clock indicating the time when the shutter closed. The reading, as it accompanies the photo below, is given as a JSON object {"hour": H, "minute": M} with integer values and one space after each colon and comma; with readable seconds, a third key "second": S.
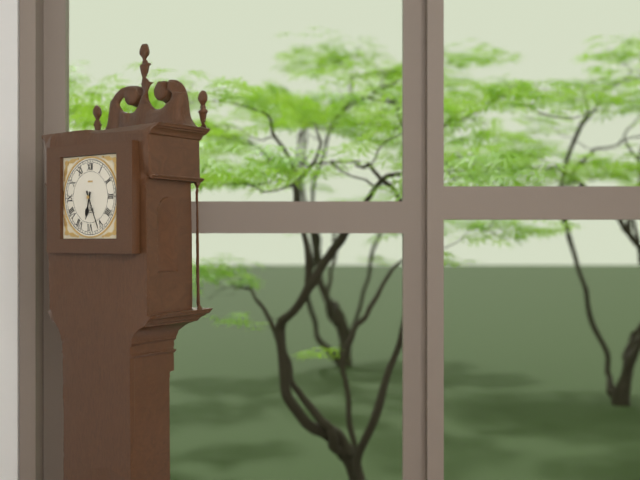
{"hour": 6, "minute": 26}
